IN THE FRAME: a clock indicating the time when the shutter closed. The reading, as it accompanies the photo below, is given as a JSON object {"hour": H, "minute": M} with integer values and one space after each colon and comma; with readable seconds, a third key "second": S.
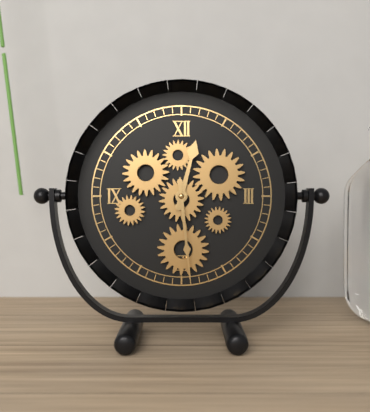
{"hour": 12, "minute": 29}
